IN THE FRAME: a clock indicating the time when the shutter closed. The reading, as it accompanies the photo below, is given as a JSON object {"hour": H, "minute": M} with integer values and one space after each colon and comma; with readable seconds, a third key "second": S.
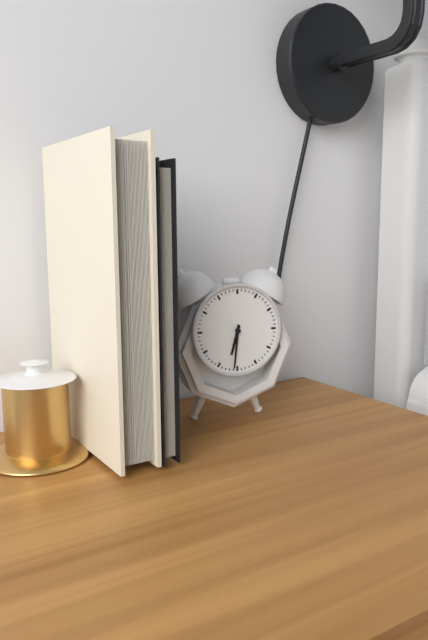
{"hour": 6, "minute": 31}
